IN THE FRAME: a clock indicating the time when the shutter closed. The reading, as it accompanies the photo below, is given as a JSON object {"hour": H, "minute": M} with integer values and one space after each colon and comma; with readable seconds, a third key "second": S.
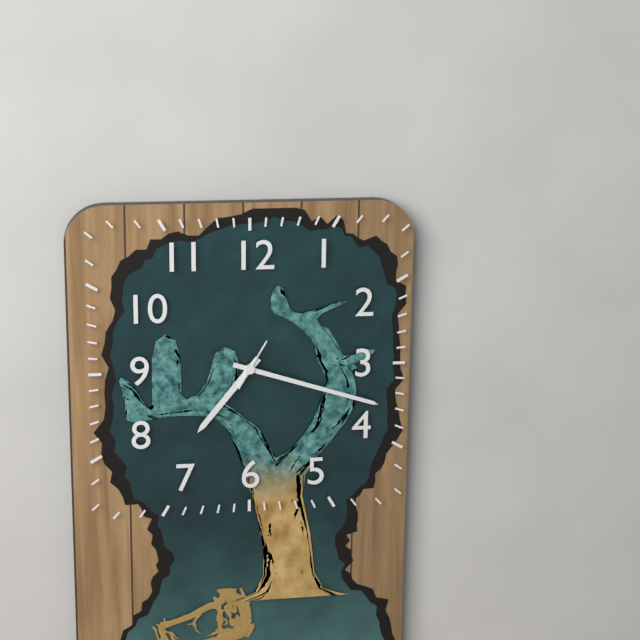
{"hour": 7, "minute": 18}
